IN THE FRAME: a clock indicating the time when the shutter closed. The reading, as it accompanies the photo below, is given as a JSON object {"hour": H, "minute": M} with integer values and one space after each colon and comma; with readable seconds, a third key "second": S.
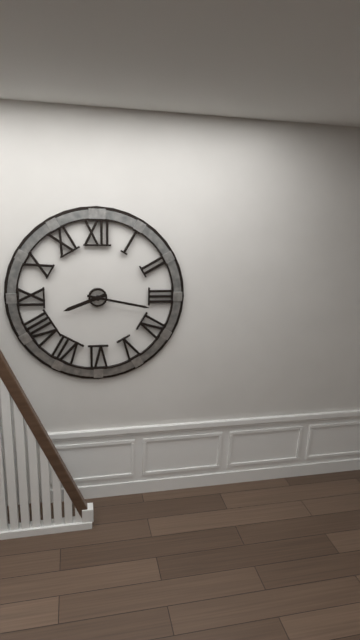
{"hour": 8, "minute": 17}
